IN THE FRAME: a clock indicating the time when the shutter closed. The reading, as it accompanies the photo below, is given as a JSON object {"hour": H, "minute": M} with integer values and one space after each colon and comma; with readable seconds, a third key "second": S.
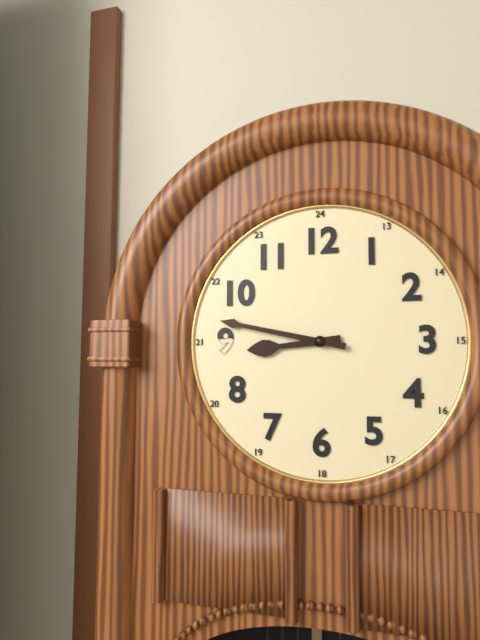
{"hour": 8, "minute": 47}
